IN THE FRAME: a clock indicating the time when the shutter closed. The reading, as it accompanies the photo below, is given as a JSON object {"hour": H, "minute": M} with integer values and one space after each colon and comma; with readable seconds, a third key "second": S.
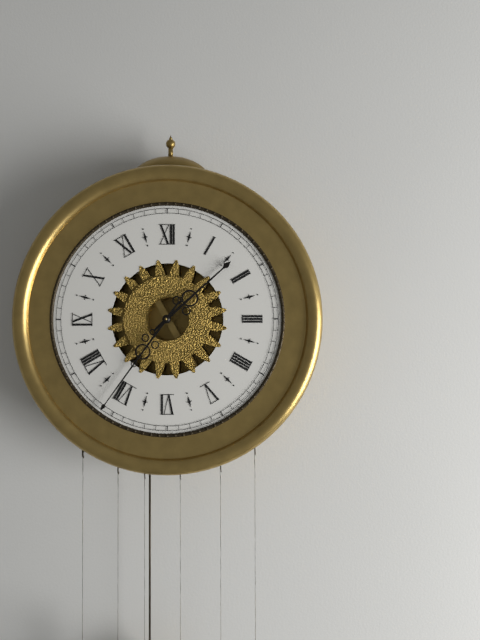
{"hour": 1, "minute": 36}
